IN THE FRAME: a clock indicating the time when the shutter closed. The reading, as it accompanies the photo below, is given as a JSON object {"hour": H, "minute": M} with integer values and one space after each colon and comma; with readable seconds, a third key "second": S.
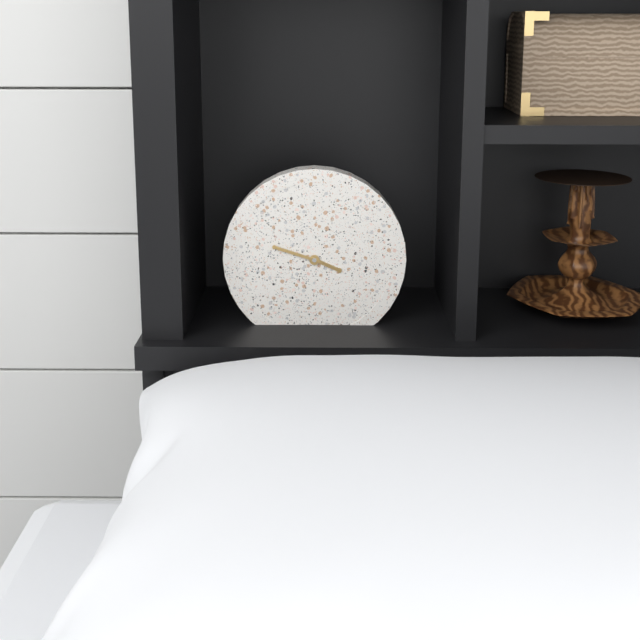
{"hour": 3, "minute": 48}
